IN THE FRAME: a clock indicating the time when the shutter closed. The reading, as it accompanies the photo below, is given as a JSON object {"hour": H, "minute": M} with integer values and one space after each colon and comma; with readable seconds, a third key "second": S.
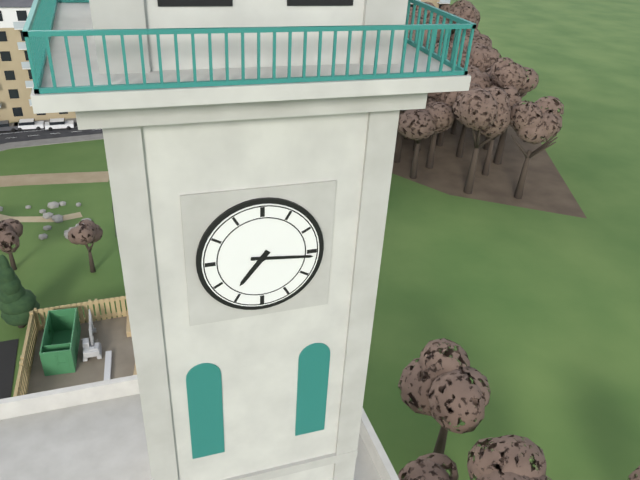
{"hour": 7, "minute": 16}
